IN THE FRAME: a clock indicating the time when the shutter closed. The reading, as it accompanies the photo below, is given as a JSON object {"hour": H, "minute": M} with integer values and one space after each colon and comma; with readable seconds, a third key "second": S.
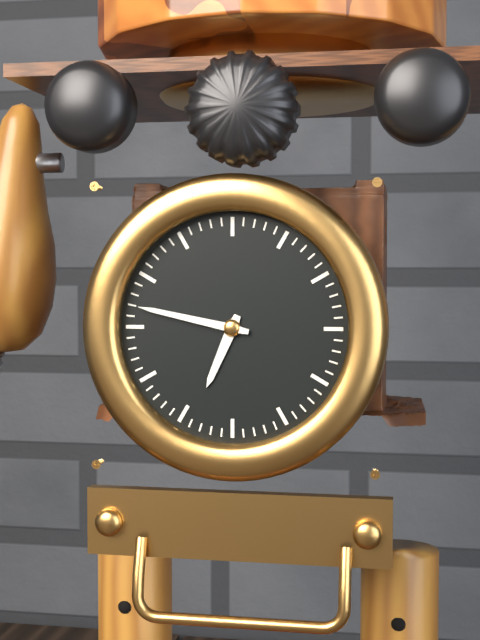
{"hour": 6, "minute": 47}
